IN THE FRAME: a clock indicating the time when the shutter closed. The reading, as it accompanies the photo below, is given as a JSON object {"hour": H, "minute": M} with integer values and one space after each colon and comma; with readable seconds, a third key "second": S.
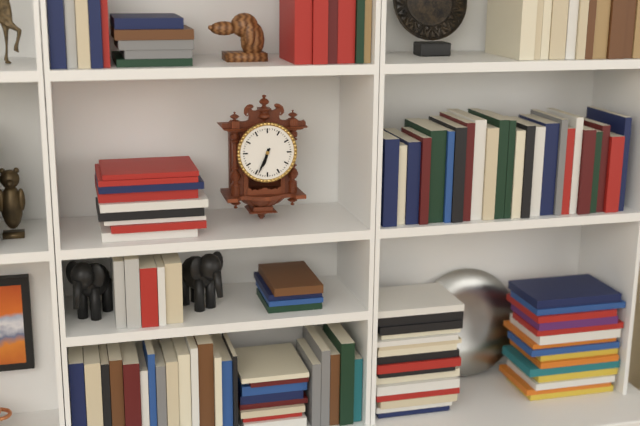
{"hour": 6, "minute": 34}
